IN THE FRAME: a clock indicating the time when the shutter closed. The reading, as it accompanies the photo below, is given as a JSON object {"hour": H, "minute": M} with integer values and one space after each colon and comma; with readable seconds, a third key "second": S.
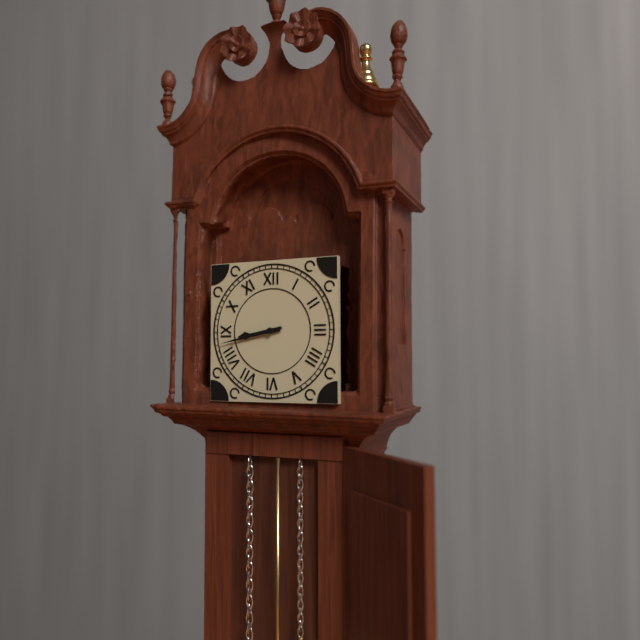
{"hour": 8, "minute": 43}
